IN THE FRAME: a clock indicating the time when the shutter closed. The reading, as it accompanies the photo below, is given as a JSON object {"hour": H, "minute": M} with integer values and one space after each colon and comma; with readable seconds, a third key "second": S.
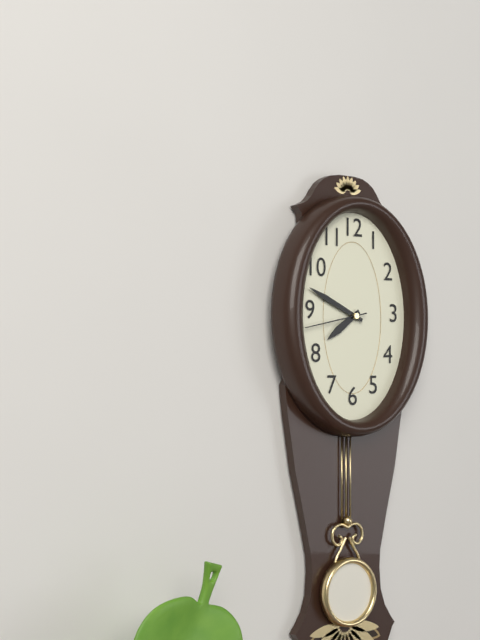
{"hour": 7, "minute": 49, "second": 43}
